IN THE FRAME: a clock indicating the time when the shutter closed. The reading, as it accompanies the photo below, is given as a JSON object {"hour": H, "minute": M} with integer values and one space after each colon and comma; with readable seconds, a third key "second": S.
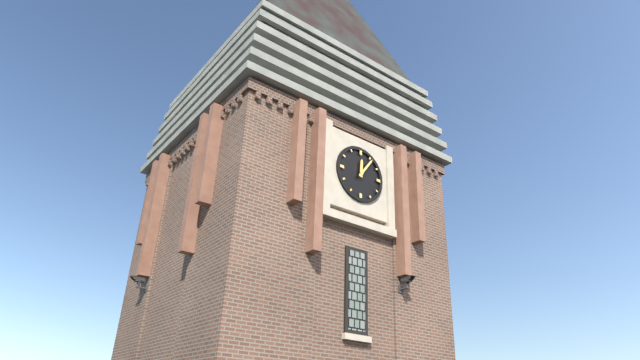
{"hour": 12, "minute": 6}
